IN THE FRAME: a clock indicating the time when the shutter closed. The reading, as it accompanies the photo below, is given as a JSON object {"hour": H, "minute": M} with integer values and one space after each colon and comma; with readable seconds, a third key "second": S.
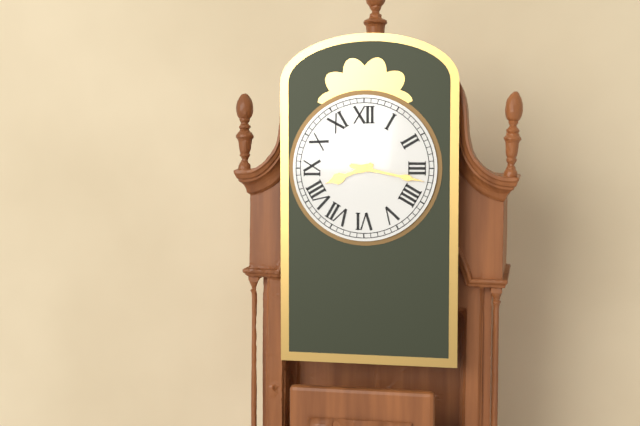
{"hour": 8, "minute": 17}
